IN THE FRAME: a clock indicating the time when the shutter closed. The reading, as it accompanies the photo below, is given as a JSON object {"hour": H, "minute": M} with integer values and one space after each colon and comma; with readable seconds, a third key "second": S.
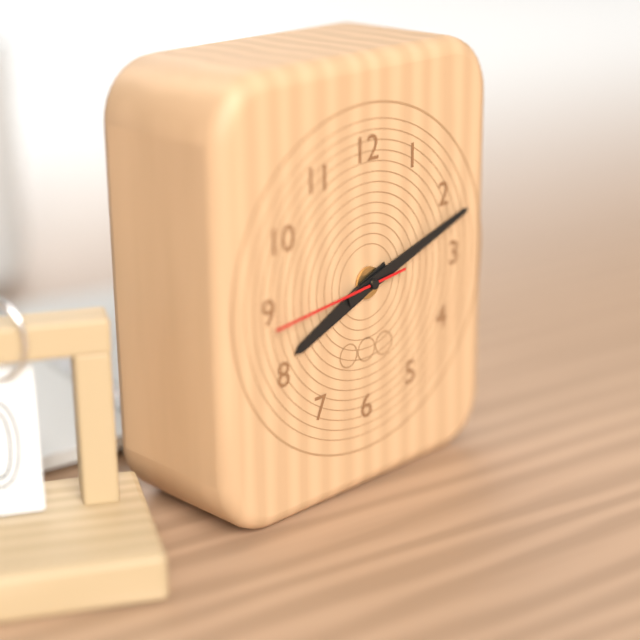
{"hour": 8, "minute": 12, "second": 44}
